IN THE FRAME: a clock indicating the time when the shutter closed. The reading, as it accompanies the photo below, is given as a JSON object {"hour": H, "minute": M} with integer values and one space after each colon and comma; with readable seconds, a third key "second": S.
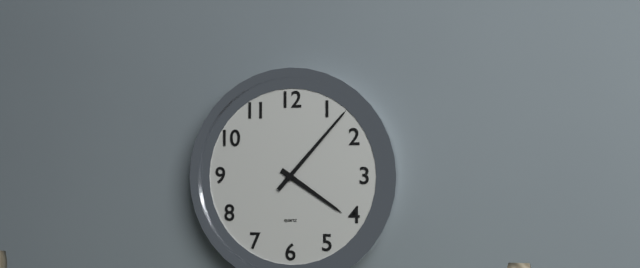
{"hour": 4, "minute": 7}
